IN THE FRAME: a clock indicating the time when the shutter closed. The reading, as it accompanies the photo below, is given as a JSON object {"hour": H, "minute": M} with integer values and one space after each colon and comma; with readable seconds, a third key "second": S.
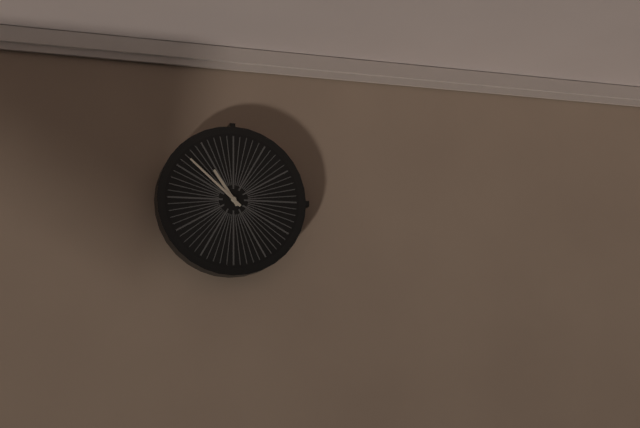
{"hour": 10, "minute": 52}
